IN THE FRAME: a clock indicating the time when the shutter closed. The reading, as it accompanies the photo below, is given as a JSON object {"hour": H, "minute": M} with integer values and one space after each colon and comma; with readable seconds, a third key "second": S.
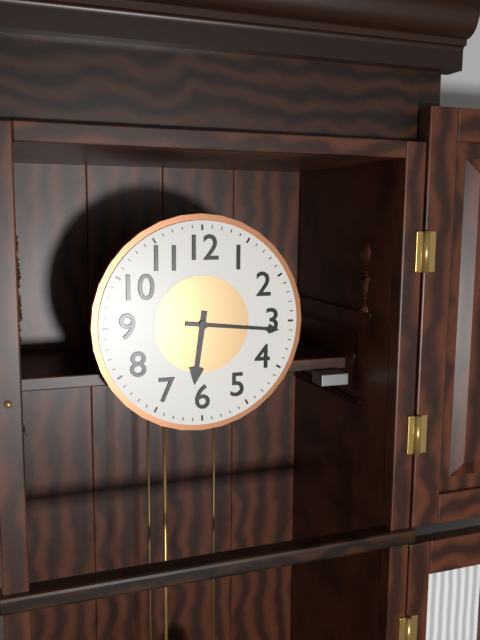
{"hour": 6, "minute": 16}
